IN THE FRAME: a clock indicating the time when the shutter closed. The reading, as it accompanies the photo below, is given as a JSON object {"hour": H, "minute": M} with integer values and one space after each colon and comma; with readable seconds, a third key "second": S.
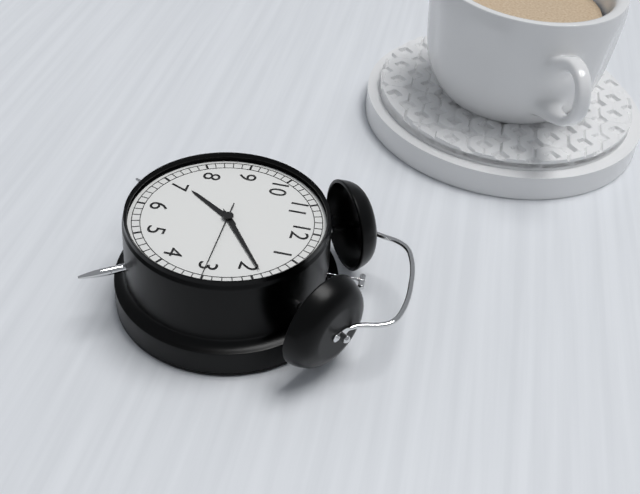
{"hour": 7, "minute": 9}
